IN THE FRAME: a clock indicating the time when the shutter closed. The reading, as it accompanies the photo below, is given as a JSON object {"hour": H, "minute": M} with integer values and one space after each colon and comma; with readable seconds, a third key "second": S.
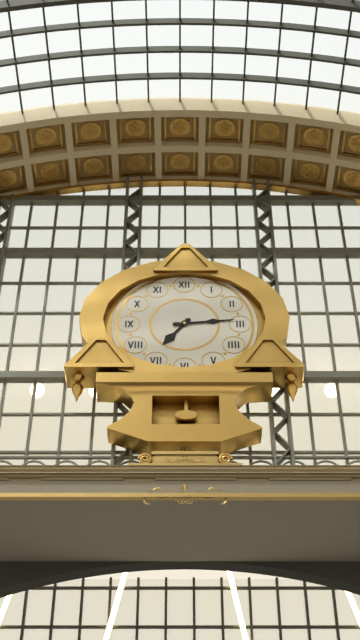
{"hour": 7, "minute": 14}
